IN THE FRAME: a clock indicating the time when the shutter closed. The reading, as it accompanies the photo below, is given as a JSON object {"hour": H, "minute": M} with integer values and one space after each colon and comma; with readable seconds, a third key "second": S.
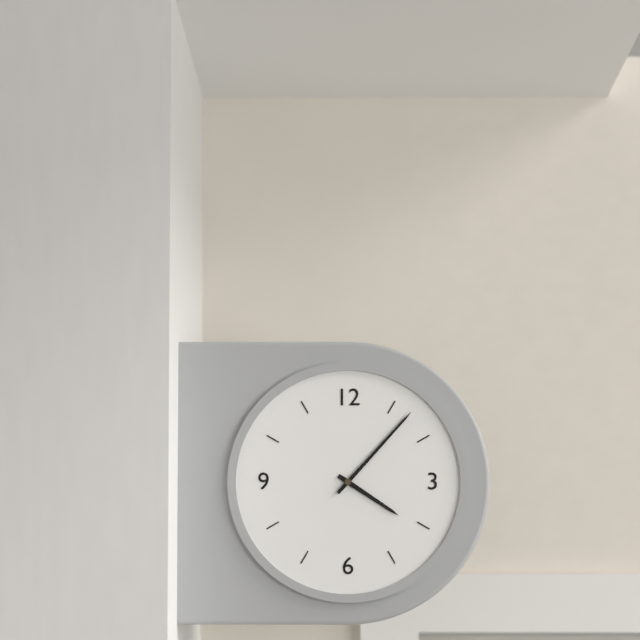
{"hour": 4, "minute": 7}
